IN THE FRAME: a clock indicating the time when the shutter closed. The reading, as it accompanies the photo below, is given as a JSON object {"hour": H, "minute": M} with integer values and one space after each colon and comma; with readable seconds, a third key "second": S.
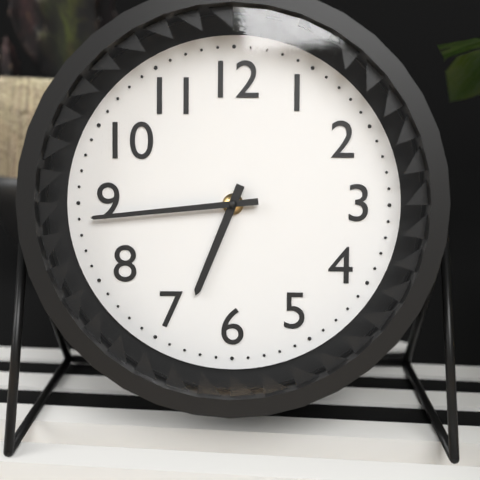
{"hour": 6, "minute": 44}
